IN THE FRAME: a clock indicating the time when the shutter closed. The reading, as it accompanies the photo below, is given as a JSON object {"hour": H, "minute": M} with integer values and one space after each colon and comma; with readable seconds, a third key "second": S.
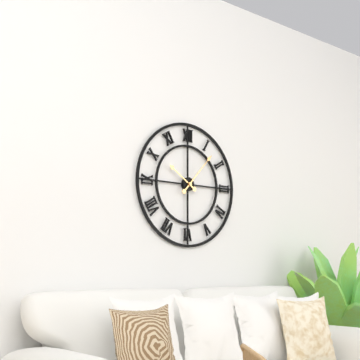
{"hour": 10, "minute": 7}
